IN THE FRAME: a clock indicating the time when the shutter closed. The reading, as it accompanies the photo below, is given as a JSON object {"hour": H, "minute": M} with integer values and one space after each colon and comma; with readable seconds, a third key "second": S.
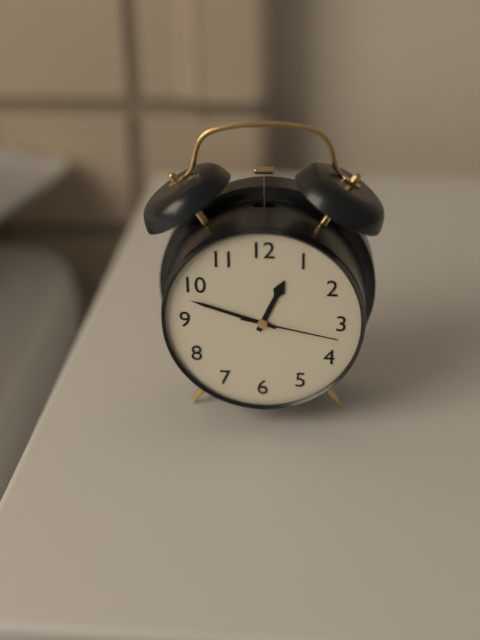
{"hour": 12, "minute": 48, "second": 17}
